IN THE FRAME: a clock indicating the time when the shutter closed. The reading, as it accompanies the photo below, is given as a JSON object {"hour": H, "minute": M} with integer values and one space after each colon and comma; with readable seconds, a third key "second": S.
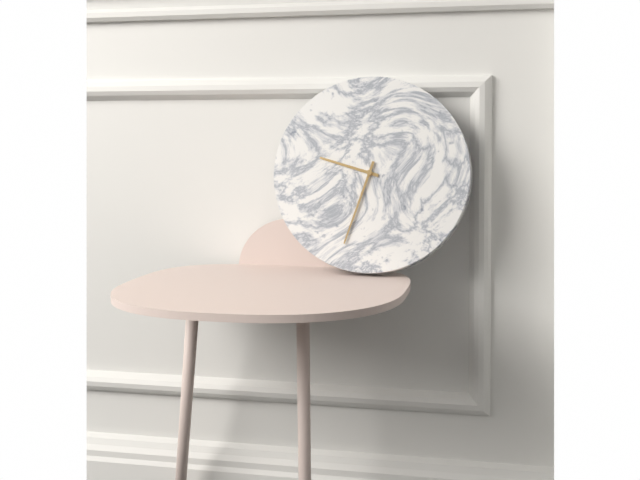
{"hour": 9, "minute": 33}
